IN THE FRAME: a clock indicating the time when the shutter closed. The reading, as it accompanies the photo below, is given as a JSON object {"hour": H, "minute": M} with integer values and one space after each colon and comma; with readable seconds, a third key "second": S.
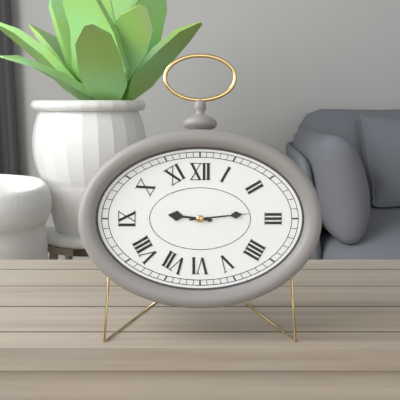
{"hour": 9, "minute": 14}
